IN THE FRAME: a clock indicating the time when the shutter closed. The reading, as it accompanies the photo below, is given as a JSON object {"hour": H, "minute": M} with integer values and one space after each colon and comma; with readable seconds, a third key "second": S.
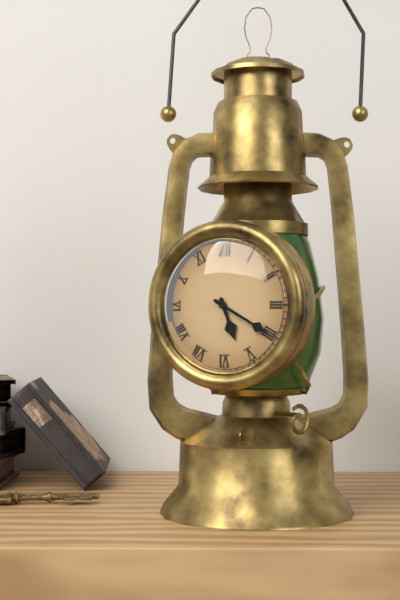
{"hour": 5, "minute": 20}
